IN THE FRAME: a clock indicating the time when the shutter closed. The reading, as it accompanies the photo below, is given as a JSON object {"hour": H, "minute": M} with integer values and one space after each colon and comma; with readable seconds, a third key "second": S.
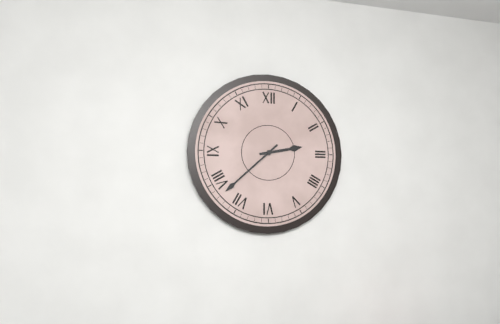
{"hour": 2, "minute": 38}
